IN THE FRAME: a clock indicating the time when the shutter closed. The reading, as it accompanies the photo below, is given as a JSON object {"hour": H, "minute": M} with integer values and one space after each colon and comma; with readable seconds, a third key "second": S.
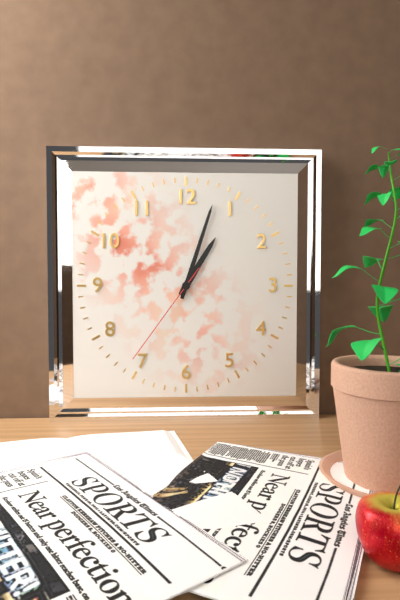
{"hour": 1, "minute": 3, "second": 36}
